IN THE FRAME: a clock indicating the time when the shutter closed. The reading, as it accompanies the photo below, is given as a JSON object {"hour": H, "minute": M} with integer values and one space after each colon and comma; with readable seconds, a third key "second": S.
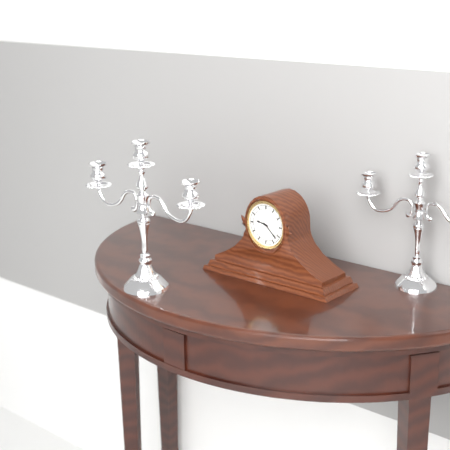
{"hour": 9, "minute": 22}
